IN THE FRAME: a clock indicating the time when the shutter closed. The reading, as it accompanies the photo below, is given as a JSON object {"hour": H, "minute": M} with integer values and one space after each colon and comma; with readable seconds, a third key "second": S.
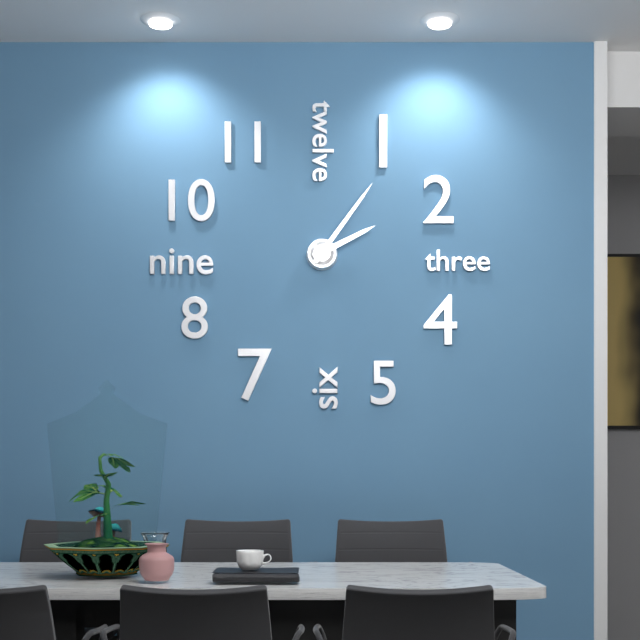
{"hour": 2, "minute": 6}
